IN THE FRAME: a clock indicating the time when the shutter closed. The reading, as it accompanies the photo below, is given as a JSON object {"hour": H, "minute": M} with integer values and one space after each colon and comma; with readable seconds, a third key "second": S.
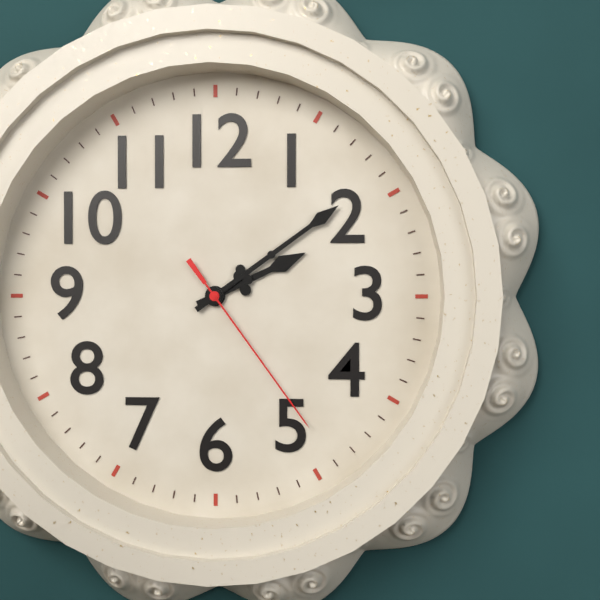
{"hour": 2, "minute": 9, "second": 24}
